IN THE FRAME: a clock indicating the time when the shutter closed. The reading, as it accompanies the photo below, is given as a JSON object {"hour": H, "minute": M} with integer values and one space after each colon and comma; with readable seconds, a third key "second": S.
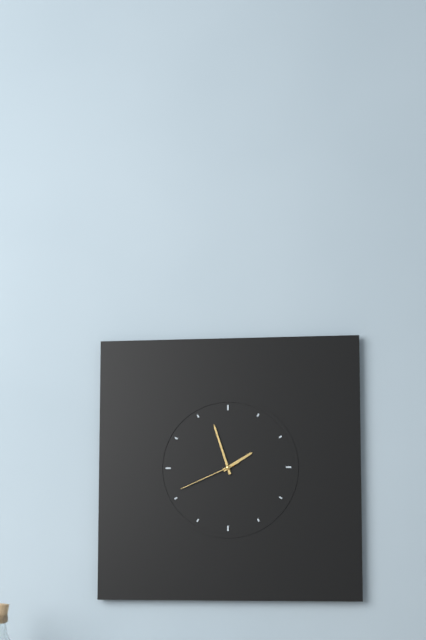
{"hour": 1, "minute": 57, "second": 41}
